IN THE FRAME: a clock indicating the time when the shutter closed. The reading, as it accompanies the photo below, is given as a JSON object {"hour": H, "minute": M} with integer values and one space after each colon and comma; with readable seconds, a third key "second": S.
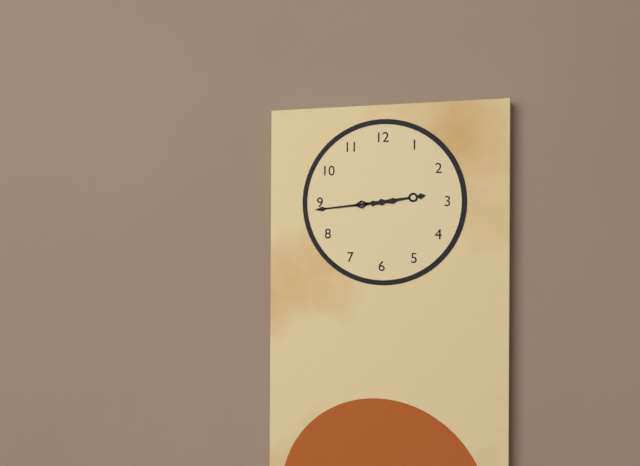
{"hour": 2, "minute": 44}
